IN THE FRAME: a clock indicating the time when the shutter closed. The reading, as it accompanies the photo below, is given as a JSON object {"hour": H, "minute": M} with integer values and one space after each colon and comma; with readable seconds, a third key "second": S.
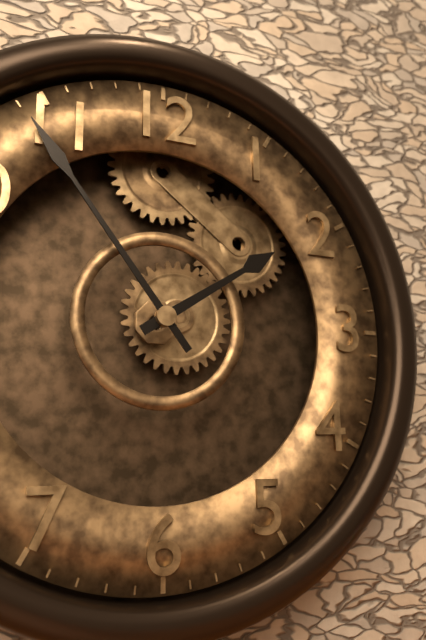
{"hour": 1, "minute": 54}
